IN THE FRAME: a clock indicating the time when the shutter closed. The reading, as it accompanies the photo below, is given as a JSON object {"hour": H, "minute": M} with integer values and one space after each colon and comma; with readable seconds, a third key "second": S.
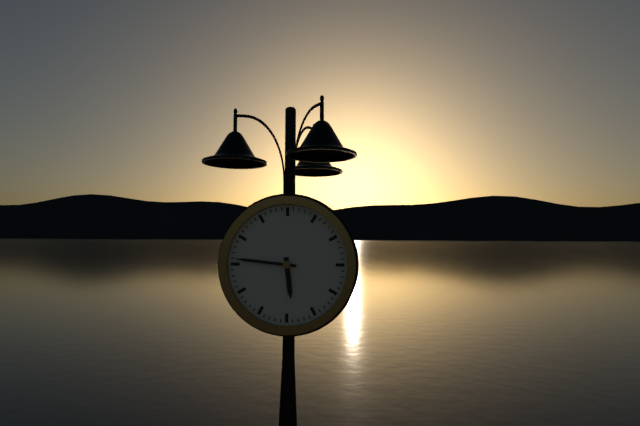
{"hour": 5, "minute": 46}
